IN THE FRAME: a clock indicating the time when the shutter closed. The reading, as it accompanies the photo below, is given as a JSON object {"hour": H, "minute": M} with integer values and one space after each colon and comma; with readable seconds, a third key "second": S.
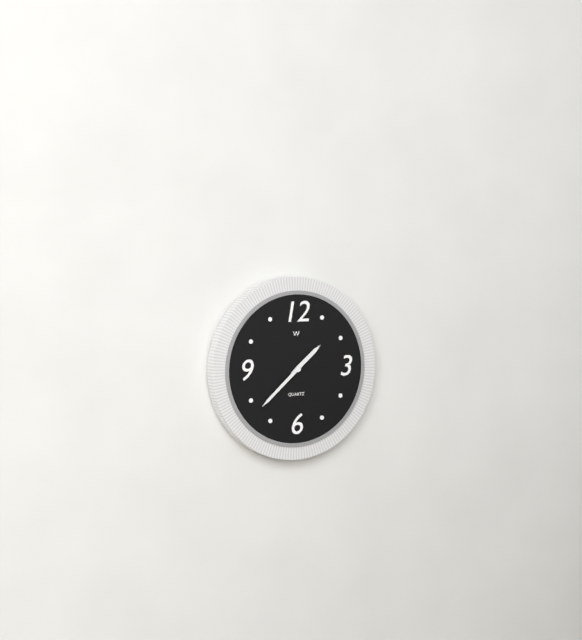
{"hour": 1, "minute": 38}
